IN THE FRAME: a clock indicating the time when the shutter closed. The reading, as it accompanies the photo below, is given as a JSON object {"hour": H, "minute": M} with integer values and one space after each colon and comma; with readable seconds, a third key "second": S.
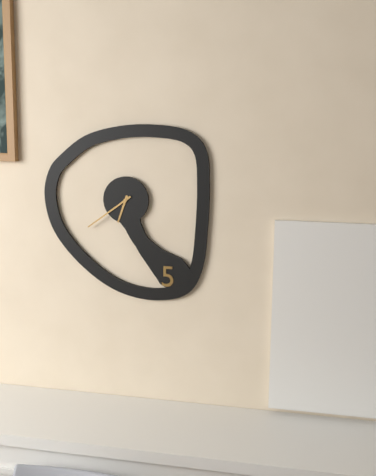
{"hour": 6, "minute": 39}
